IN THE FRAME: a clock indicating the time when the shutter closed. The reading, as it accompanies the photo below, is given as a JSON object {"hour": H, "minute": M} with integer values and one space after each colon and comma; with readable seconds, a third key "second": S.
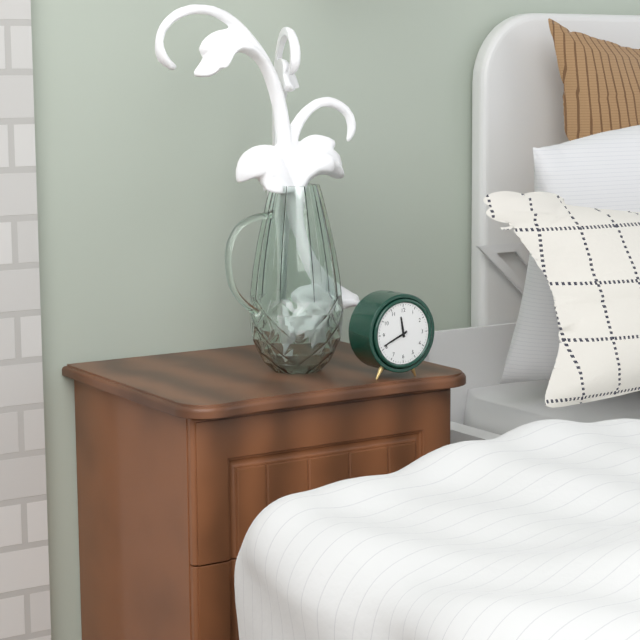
{"hour": 11, "minute": 41}
